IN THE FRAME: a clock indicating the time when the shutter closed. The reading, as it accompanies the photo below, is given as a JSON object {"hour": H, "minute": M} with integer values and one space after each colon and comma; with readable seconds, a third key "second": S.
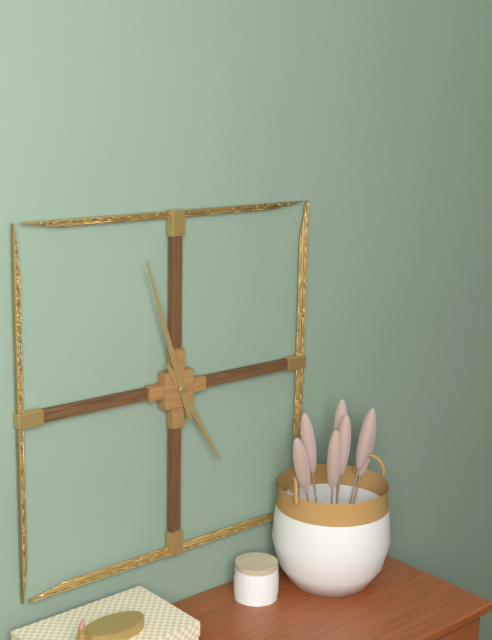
{"hour": 4, "minute": 57}
